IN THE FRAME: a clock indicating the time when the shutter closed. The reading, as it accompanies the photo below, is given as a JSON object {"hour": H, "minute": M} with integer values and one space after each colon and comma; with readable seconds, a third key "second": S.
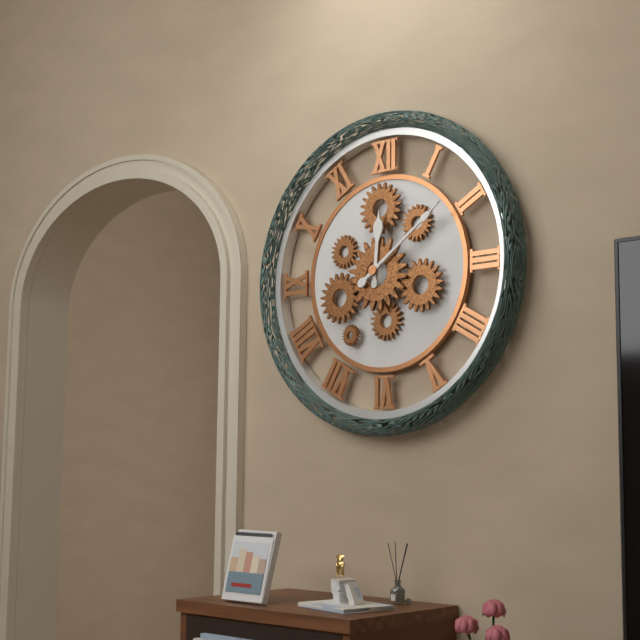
{"hour": 12, "minute": 9}
